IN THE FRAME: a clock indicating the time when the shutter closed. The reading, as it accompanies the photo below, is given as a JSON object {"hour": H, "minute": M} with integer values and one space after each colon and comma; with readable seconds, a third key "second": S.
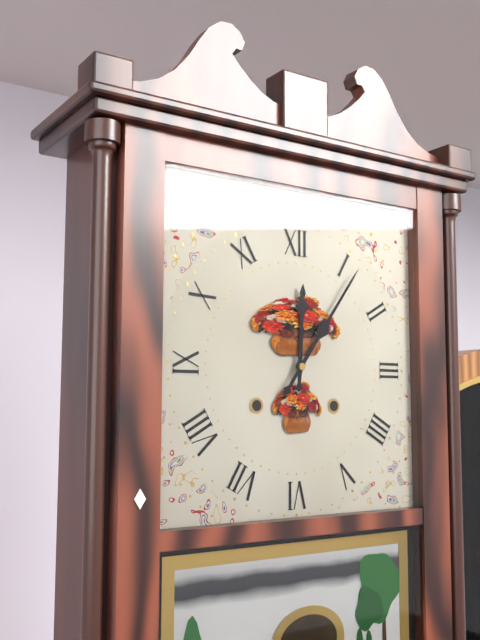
{"hour": 12, "minute": 6}
